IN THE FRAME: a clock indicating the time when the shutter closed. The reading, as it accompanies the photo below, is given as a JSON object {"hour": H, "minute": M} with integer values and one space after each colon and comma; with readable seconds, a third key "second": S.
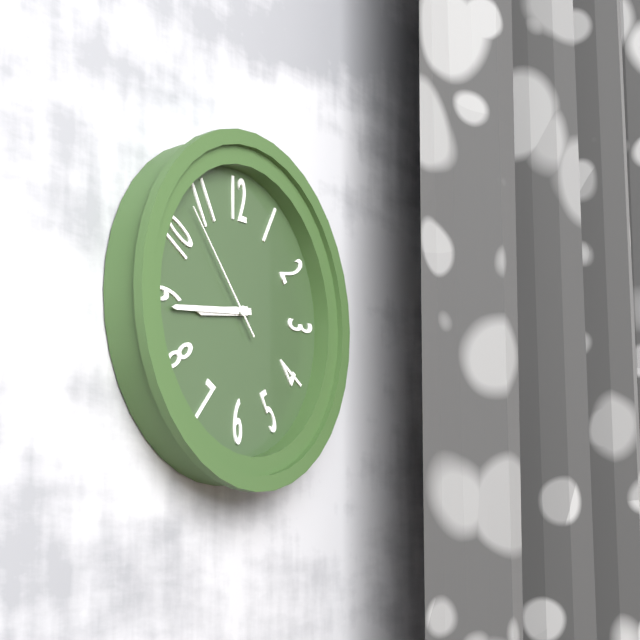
{"hour": 8, "minute": 44, "second": 53}
